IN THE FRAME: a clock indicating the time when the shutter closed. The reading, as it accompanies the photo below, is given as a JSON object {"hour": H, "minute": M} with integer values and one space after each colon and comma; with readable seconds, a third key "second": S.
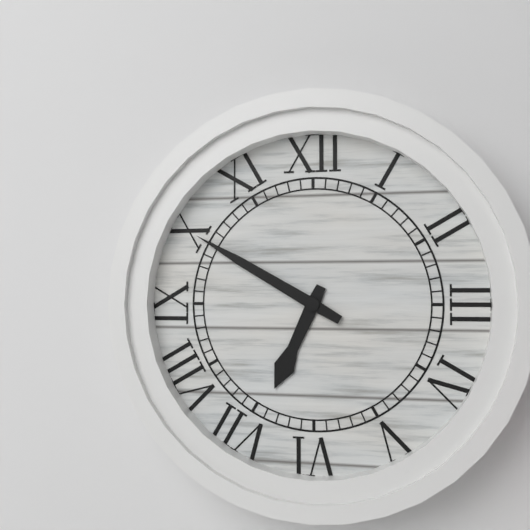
{"hour": 6, "minute": 50}
